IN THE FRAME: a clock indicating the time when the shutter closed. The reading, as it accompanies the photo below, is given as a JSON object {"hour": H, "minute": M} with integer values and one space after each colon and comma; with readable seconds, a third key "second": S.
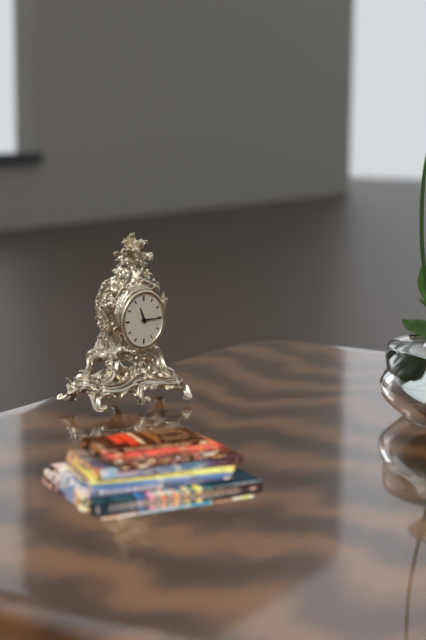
{"hour": 11, "minute": 15}
